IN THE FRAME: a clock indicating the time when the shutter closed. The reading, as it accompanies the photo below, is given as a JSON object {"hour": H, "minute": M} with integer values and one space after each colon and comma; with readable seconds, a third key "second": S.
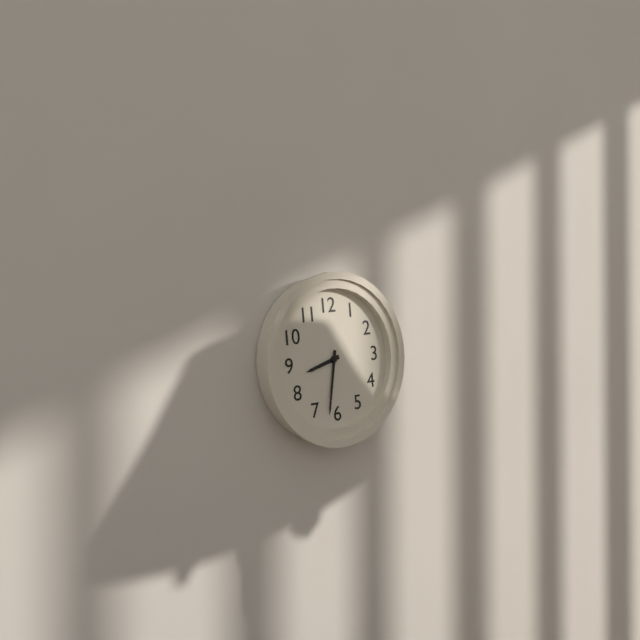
{"hour": 8, "minute": 32}
